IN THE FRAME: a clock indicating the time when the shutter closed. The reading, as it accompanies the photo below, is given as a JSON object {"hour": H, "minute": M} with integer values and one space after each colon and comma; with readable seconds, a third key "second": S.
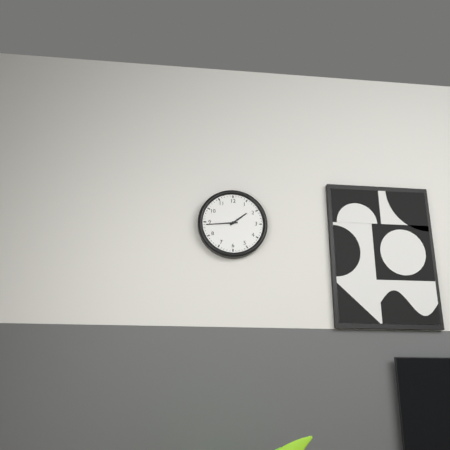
{"hour": 1, "minute": 44}
